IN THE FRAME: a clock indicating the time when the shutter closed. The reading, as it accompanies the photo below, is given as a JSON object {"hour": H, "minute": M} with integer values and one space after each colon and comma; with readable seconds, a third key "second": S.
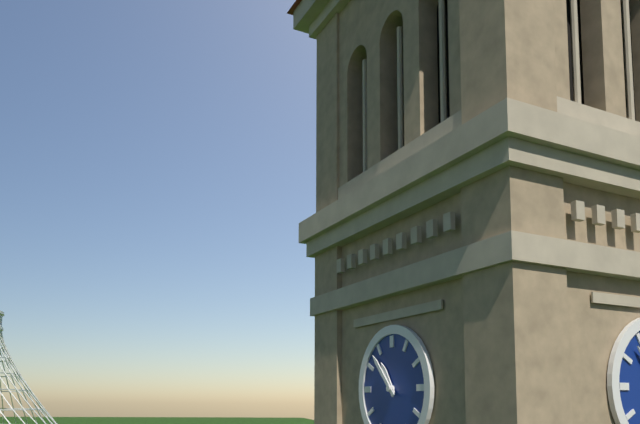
{"hour": 10, "minute": 53}
